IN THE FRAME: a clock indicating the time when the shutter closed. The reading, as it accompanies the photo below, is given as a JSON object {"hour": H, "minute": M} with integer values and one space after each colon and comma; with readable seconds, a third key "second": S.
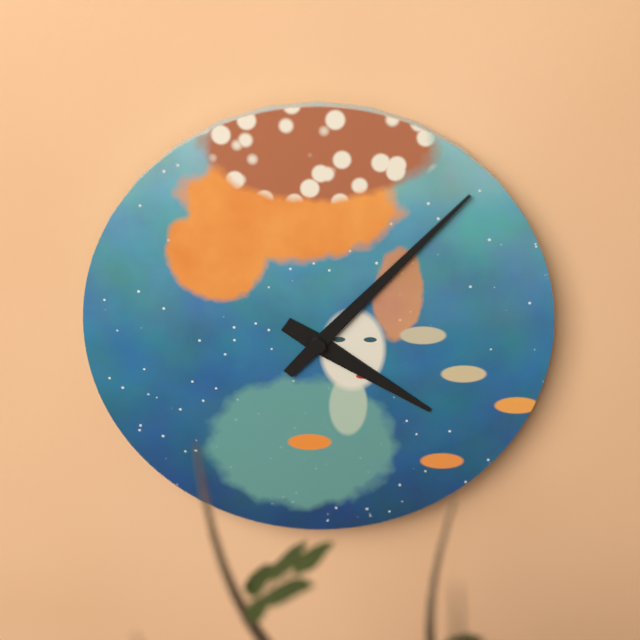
{"hour": 4, "minute": 7}
